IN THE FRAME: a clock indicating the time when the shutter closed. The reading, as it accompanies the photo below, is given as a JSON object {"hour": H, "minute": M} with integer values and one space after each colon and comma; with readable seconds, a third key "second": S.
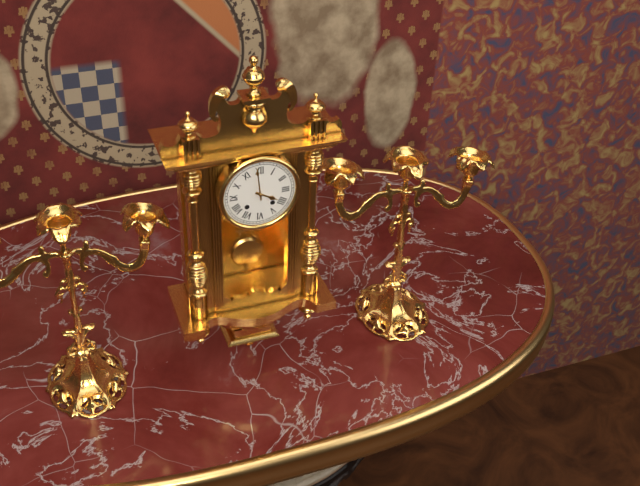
{"hour": 3, "minute": 59}
